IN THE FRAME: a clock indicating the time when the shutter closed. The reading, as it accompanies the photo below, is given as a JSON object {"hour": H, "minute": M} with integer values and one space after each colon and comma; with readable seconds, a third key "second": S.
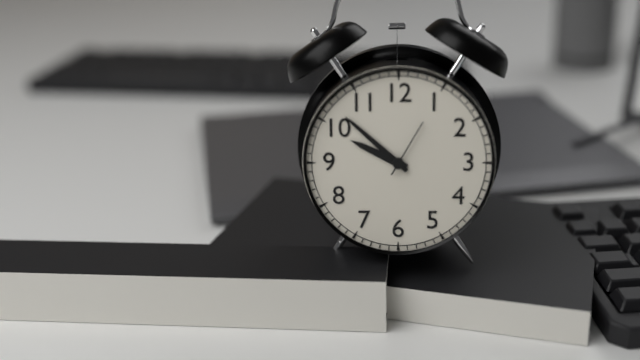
{"hour": 9, "minute": 52, "second": 5}
